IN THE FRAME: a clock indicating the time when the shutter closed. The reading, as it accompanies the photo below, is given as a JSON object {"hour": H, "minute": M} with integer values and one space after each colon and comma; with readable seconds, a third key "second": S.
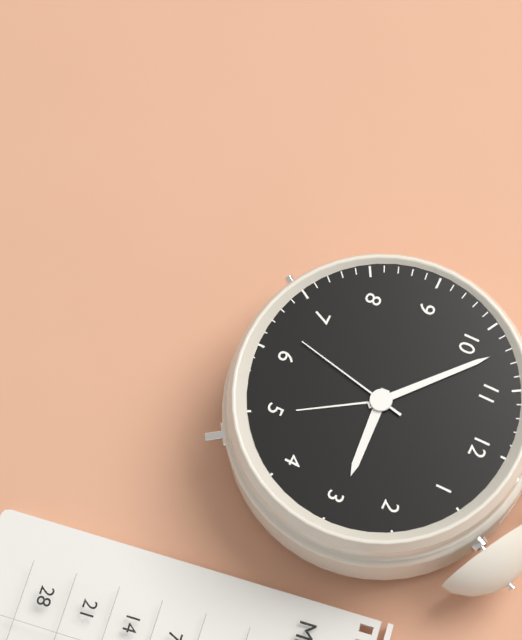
{"hour": 2, "minute": 52, "second": 32}
